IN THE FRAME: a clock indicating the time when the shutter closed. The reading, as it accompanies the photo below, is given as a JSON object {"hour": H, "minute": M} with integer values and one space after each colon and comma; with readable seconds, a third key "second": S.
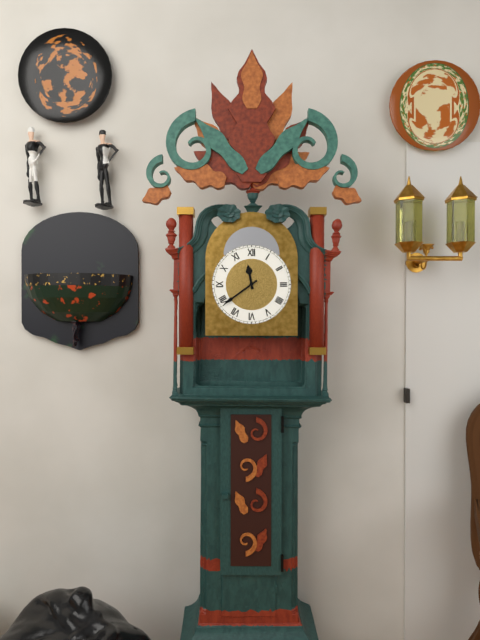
{"hour": 11, "minute": 39}
